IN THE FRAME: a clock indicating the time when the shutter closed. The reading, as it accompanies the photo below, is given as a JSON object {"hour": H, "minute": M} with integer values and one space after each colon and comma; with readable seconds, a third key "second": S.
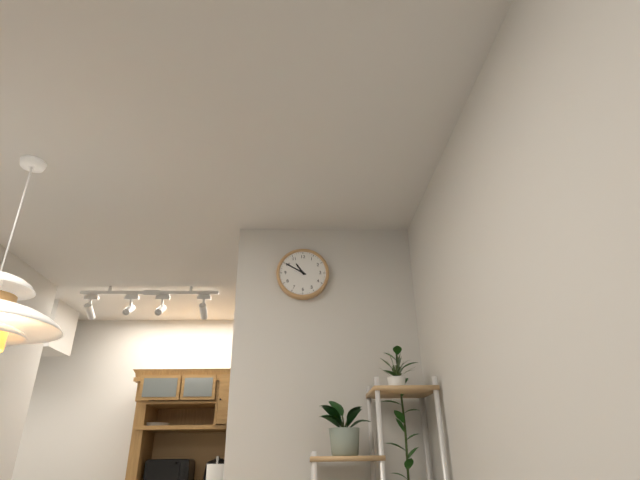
{"hour": 10, "minute": 50}
